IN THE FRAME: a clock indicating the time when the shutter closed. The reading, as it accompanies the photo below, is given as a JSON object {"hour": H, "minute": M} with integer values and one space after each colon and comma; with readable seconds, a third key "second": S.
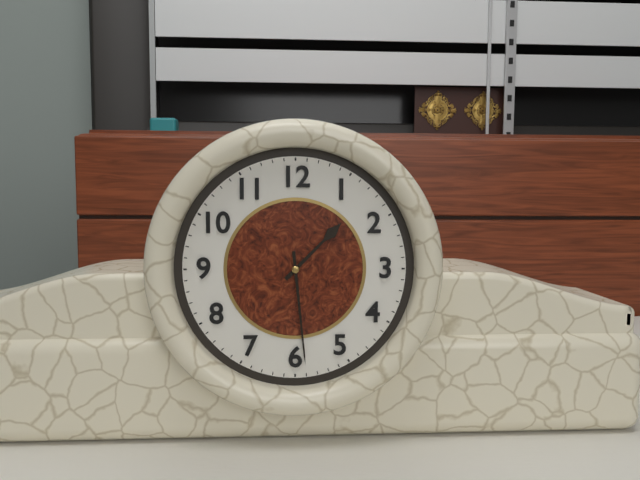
{"hour": 1, "minute": 29}
